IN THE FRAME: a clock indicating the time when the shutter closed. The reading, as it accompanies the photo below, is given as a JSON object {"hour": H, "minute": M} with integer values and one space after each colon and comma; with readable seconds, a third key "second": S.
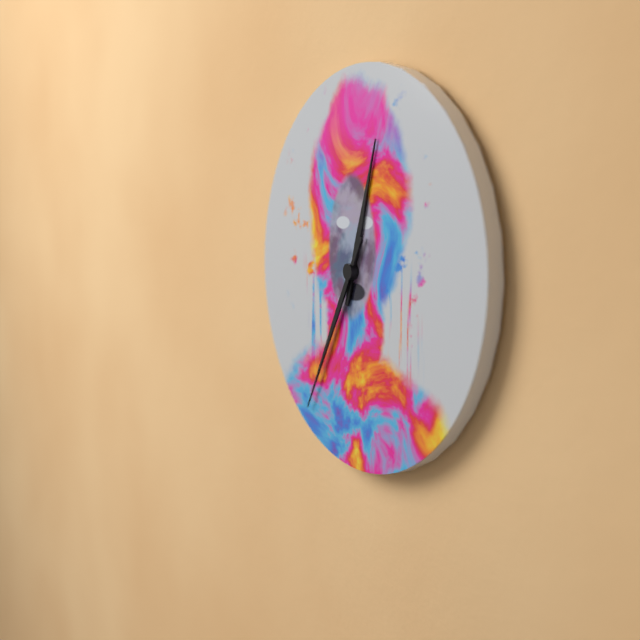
{"hour": 12, "minute": 35}
